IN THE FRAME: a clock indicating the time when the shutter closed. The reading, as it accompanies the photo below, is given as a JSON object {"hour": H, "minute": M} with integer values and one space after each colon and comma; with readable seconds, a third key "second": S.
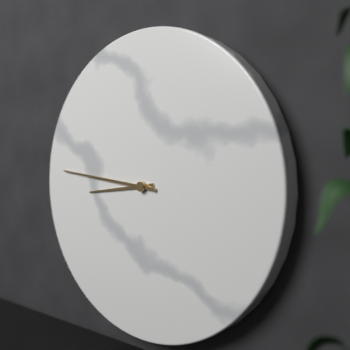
{"hour": 8, "minute": 46}
